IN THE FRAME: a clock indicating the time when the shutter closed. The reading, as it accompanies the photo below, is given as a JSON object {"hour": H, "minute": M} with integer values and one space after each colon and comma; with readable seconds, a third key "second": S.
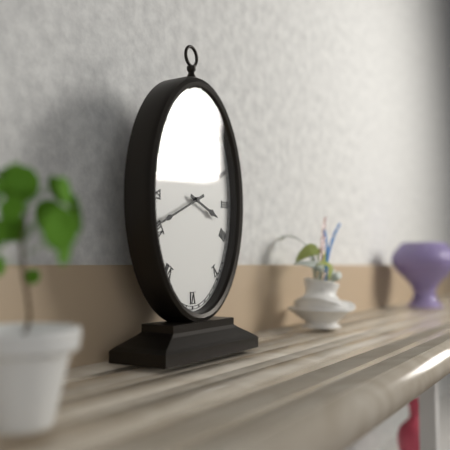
{"hour": 3, "minute": 41}
